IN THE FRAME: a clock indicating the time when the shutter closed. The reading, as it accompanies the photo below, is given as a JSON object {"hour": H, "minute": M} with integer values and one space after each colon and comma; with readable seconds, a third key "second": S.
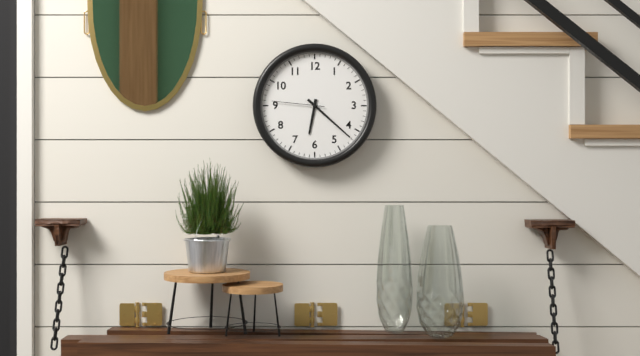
{"hour": 6, "minute": 22, "second": 46}
